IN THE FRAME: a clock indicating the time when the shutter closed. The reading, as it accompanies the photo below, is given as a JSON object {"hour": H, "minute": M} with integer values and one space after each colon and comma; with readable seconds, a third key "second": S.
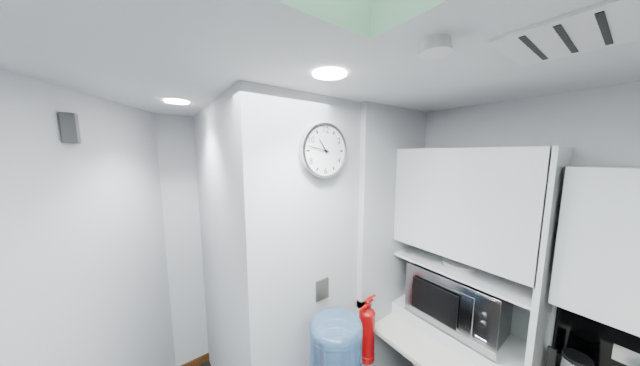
{"hour": 10, "minute": 47}
